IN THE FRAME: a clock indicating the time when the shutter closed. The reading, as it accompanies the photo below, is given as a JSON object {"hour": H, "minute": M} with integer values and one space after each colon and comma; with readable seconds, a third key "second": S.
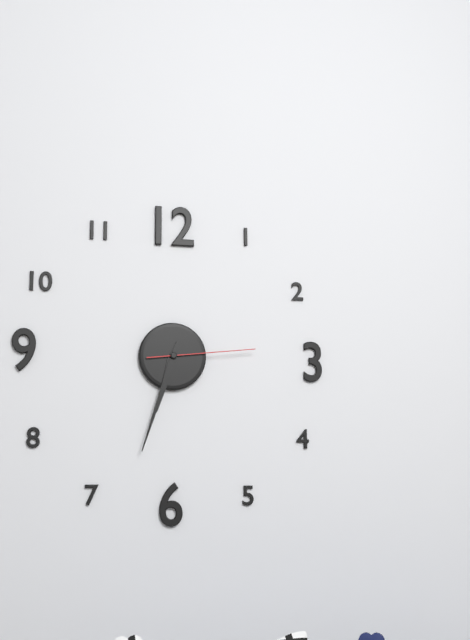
{"hour": 6, "minute": 33, "second": 14}
